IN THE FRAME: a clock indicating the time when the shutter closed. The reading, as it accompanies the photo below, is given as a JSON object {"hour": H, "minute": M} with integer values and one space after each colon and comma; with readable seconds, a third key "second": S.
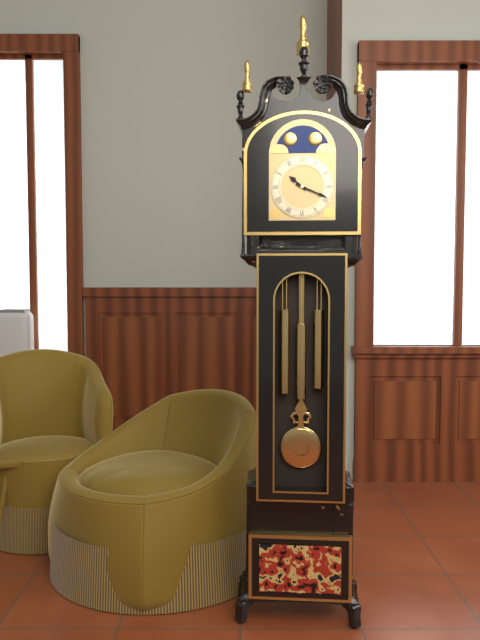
{"hour": 10, "minute": 19}
